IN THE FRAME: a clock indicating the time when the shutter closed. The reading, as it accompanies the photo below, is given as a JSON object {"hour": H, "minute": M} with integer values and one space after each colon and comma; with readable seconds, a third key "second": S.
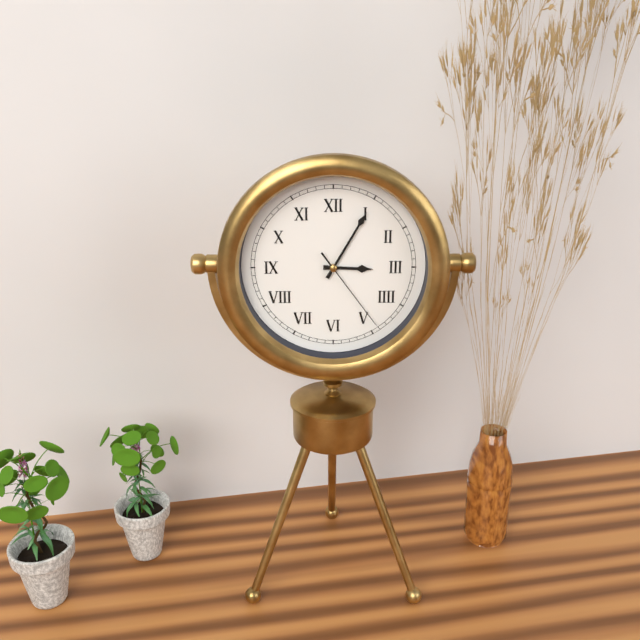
{"hour": 3, "minute": 5, "second": 24}
